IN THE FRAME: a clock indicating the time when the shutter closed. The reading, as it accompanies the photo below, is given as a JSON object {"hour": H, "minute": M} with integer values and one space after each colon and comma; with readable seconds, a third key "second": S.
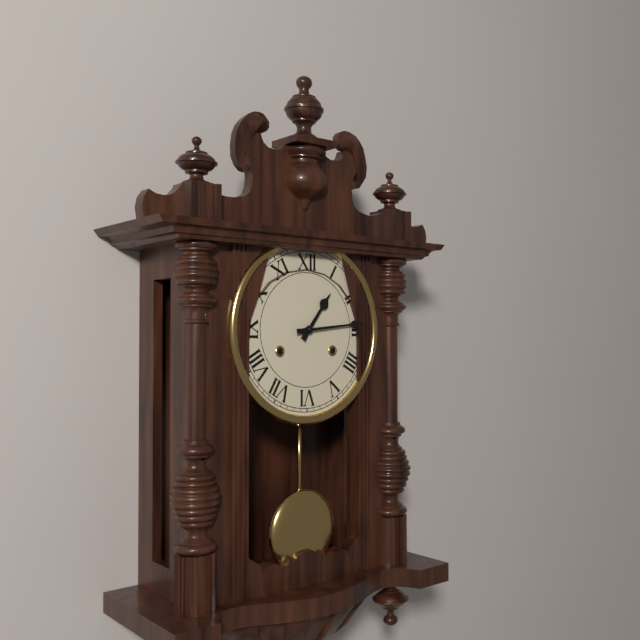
{"hour": 1, "minute": 14}
